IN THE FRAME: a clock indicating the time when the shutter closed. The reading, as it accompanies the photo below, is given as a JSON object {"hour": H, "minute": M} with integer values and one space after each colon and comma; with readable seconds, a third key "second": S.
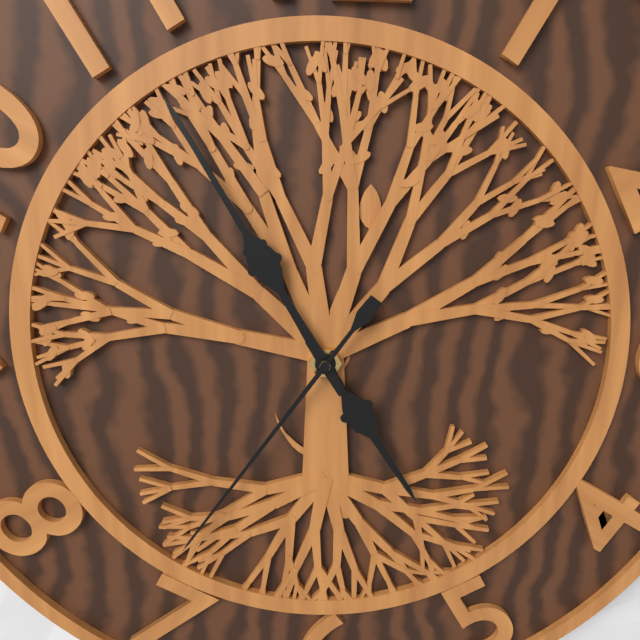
{"hour": 4, "minute": 55, "second": 36}
